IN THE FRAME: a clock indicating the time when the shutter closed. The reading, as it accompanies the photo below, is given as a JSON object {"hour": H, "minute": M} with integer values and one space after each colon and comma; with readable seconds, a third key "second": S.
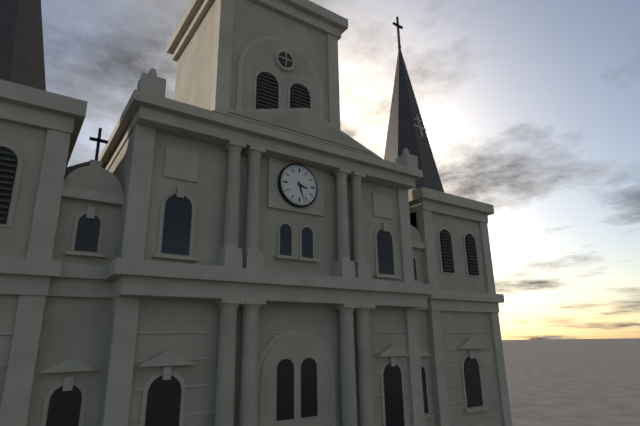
{"hour": 3, "minute": 27}
